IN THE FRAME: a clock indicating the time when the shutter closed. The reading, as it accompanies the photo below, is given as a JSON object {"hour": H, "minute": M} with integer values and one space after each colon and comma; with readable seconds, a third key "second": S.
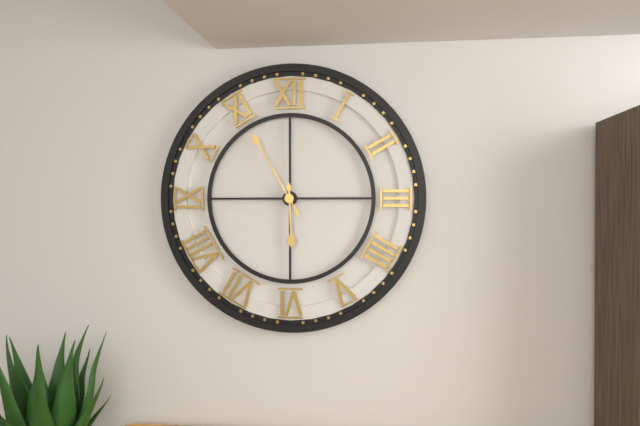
{"hour": 5, "minute": 55}
